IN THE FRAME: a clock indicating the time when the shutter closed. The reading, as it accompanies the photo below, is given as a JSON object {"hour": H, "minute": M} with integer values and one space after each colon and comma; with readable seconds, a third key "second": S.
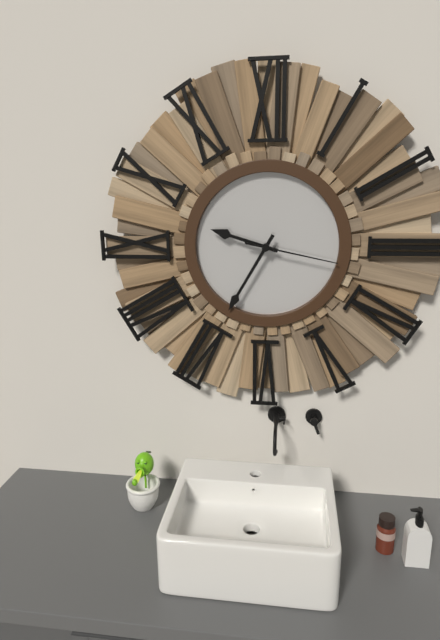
{"hour": 9, "minute": 35, "second": 17}
